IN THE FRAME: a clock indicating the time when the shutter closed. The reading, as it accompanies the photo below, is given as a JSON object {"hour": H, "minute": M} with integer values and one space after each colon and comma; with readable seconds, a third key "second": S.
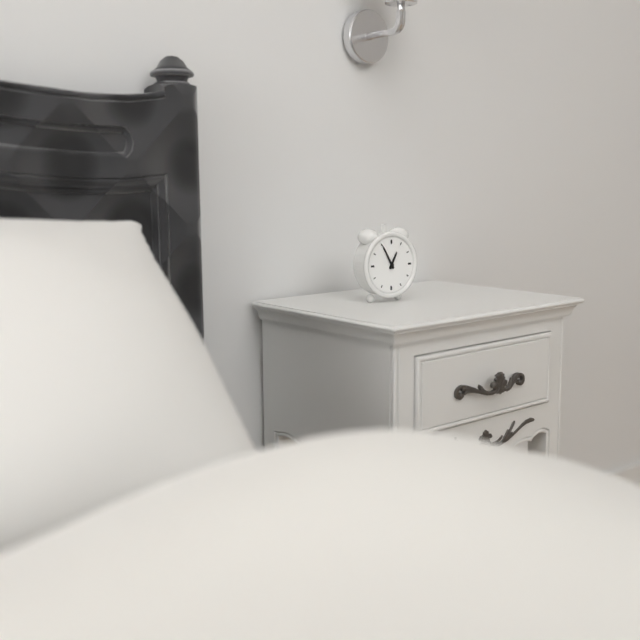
{"hour": 12, "minute": 55}
